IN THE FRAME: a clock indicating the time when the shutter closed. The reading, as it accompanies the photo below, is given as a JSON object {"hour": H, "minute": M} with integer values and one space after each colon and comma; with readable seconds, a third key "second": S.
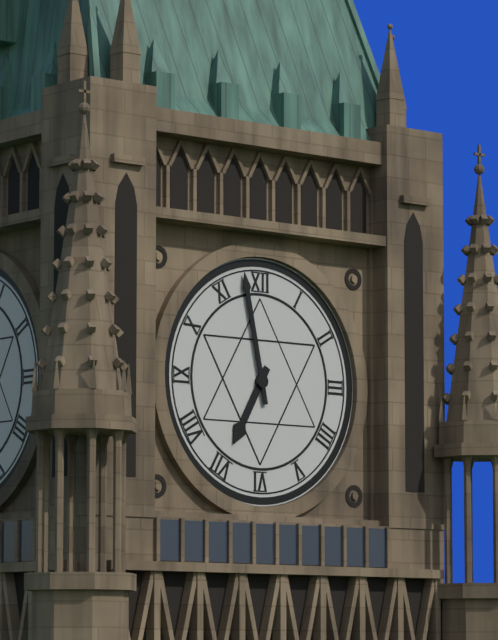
{"hour": 6, "minute": 58}
